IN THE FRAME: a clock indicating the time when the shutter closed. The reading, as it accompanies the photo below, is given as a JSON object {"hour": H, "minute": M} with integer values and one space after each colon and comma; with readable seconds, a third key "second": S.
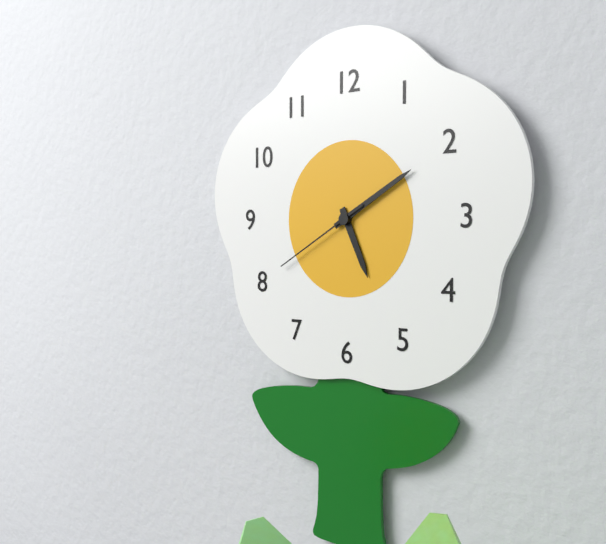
{"hour": 5, "minute": 10, "second": 40}
